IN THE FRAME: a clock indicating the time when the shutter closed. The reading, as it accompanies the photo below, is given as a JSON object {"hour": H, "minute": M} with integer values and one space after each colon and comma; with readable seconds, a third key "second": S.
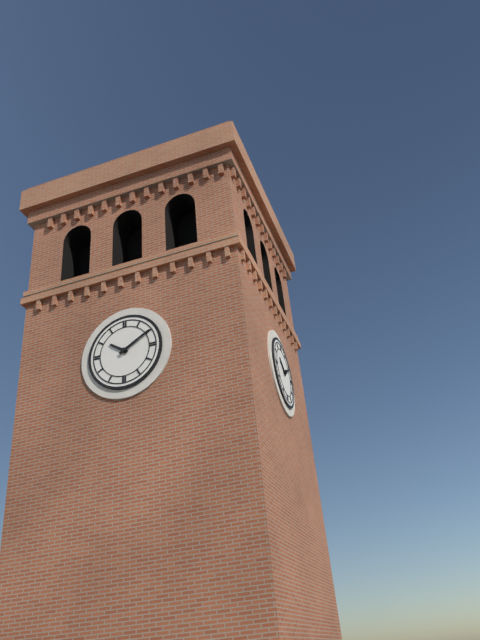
{"hour": 10, "minute": 10}
